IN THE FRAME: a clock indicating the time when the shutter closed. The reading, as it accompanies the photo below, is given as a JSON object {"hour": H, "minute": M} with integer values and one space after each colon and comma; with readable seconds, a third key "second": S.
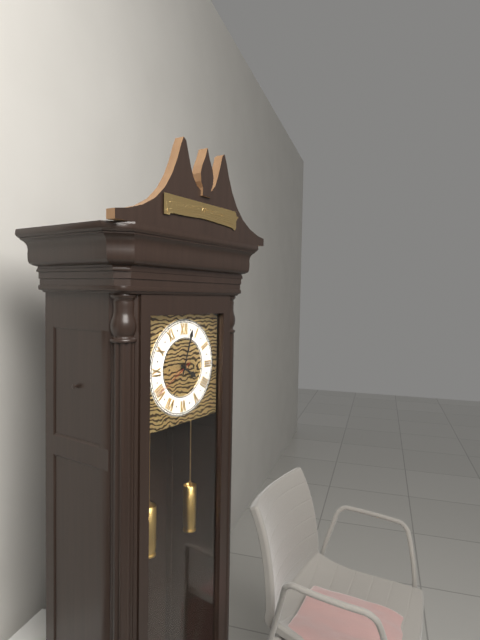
{"hour": 4, "minute": 3}
